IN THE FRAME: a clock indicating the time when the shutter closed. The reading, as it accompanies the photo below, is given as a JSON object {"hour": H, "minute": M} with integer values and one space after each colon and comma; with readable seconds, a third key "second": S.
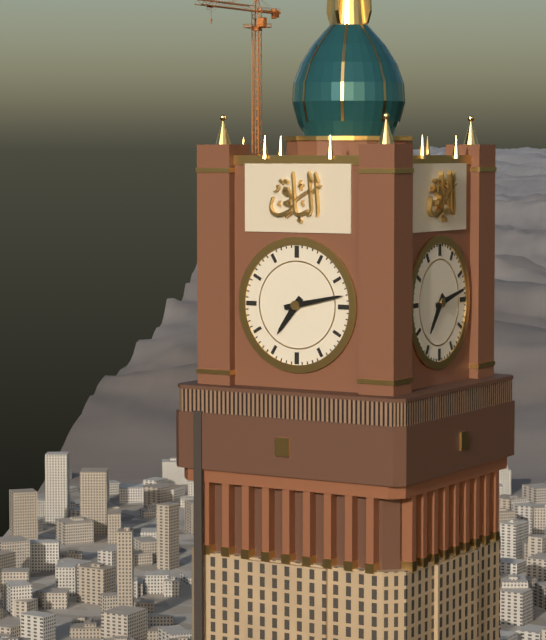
{"hour": 7, "minute": 13}
